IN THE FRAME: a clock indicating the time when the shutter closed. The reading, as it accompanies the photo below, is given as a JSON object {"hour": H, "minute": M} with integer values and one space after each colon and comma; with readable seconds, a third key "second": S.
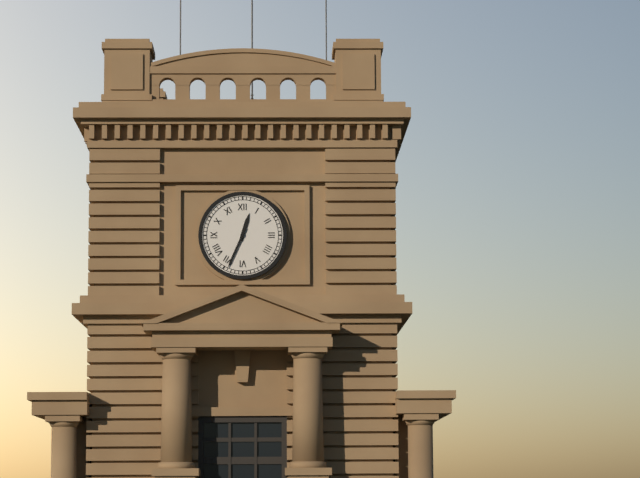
{"hour": 12, "minute": 34}
